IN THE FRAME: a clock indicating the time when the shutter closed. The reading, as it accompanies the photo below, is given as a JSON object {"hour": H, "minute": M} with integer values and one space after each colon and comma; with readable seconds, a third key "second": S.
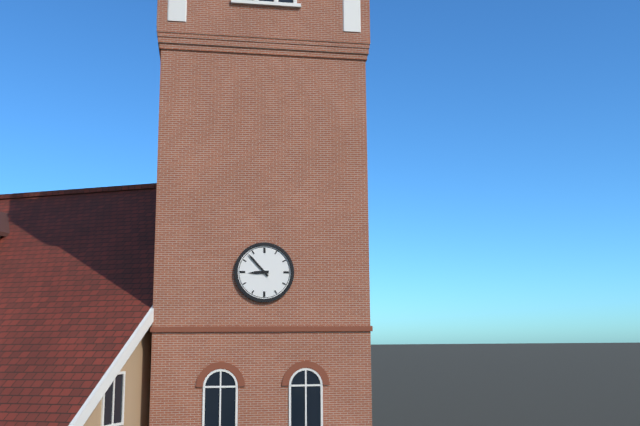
{"hour": 8, "minute": 53}
